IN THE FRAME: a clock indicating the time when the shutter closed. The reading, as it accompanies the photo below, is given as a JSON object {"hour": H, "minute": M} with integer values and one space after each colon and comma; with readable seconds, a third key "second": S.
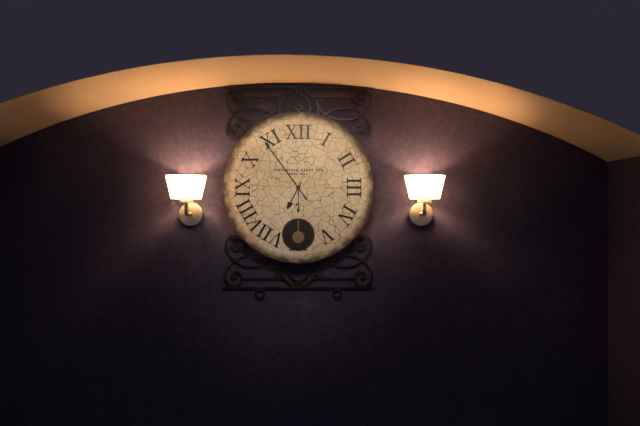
{"hour": 6, "minute": 54}
